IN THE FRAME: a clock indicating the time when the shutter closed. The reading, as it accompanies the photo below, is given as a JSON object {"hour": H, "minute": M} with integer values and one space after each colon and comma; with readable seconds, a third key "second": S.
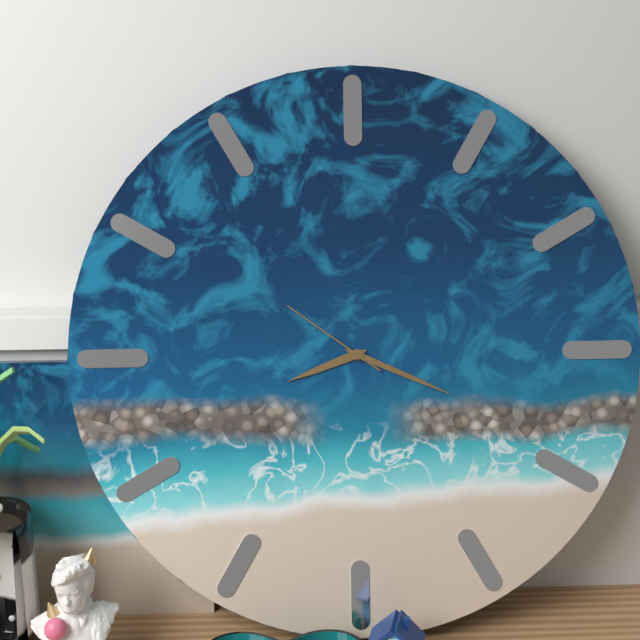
{"hour": 8, "minute": 19, "second": 51}
